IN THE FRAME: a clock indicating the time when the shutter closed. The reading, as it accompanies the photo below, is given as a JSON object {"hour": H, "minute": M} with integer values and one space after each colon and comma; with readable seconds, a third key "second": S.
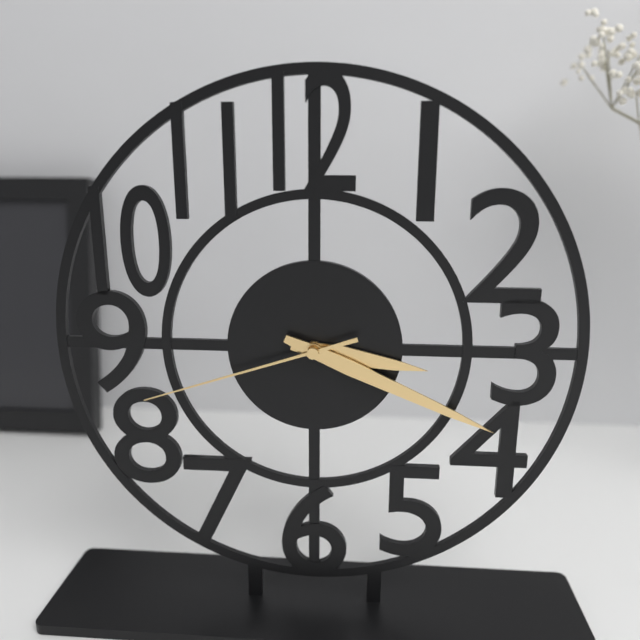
{"hour": 3, "minute": 19, "second": 42}
